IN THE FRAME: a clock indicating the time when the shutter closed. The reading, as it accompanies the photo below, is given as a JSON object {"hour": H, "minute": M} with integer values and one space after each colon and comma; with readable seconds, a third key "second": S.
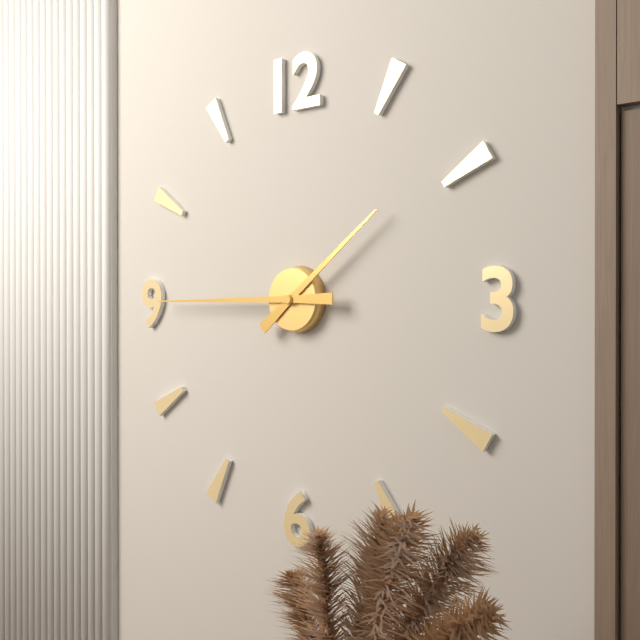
{"hour": 1, "minute": 45}
